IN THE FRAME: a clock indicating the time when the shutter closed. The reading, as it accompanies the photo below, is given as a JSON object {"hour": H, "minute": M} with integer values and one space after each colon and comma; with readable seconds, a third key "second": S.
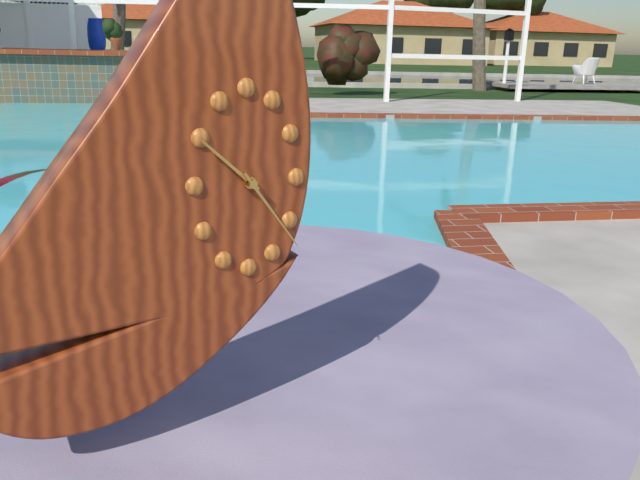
{"hour": 10, "minute": 24}
